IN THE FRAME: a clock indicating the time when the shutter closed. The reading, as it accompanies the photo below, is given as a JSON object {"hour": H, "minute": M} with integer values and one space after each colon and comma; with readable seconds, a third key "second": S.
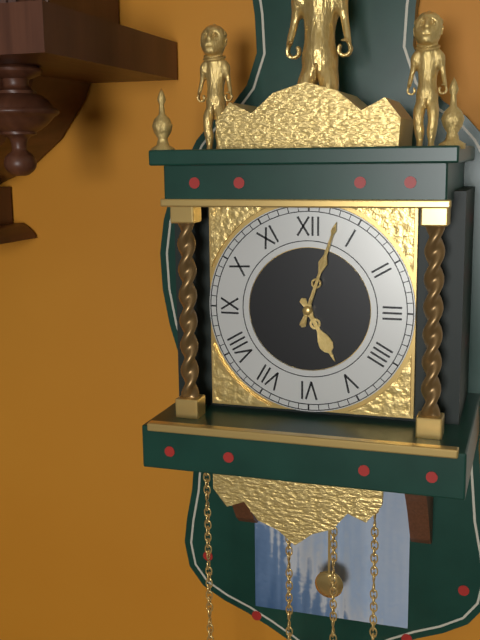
{"hour": 5, "minute": 3}
